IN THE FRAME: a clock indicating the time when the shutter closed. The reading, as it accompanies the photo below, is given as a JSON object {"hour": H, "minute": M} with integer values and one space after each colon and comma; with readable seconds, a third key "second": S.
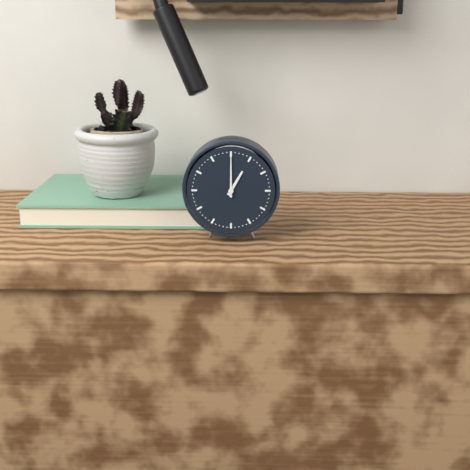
{"hour": 1, "minute": 0}
